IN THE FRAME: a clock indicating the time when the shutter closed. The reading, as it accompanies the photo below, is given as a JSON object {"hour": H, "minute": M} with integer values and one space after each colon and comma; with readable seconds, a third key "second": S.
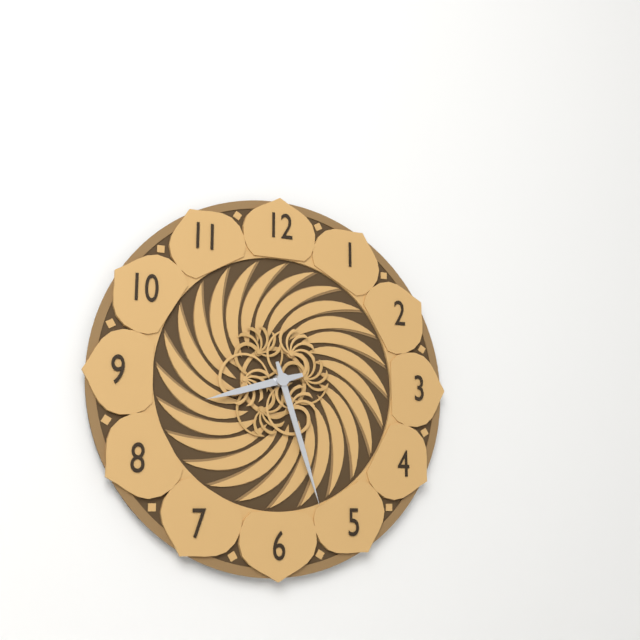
{"hour": 8, "minute": 27}
